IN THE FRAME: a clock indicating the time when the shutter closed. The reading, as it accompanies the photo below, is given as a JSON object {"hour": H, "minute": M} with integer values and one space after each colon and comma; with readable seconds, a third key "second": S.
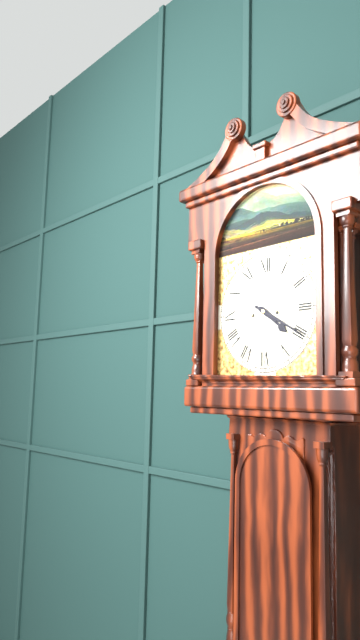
{"hour": 4, "minute": 20}
